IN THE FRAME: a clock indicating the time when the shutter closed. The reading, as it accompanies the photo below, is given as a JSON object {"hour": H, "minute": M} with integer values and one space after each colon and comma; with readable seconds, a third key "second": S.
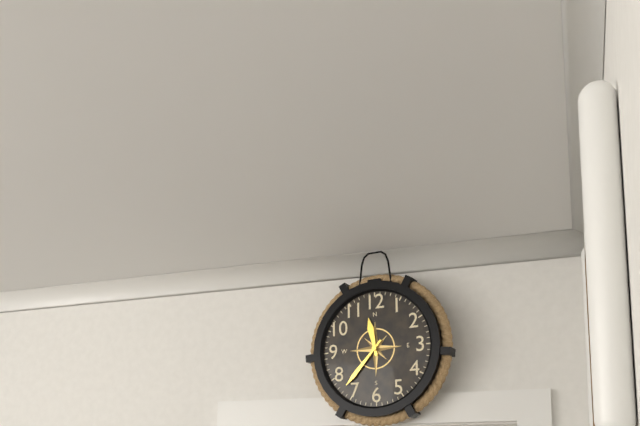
{"hour": 11, "minute": 37}
